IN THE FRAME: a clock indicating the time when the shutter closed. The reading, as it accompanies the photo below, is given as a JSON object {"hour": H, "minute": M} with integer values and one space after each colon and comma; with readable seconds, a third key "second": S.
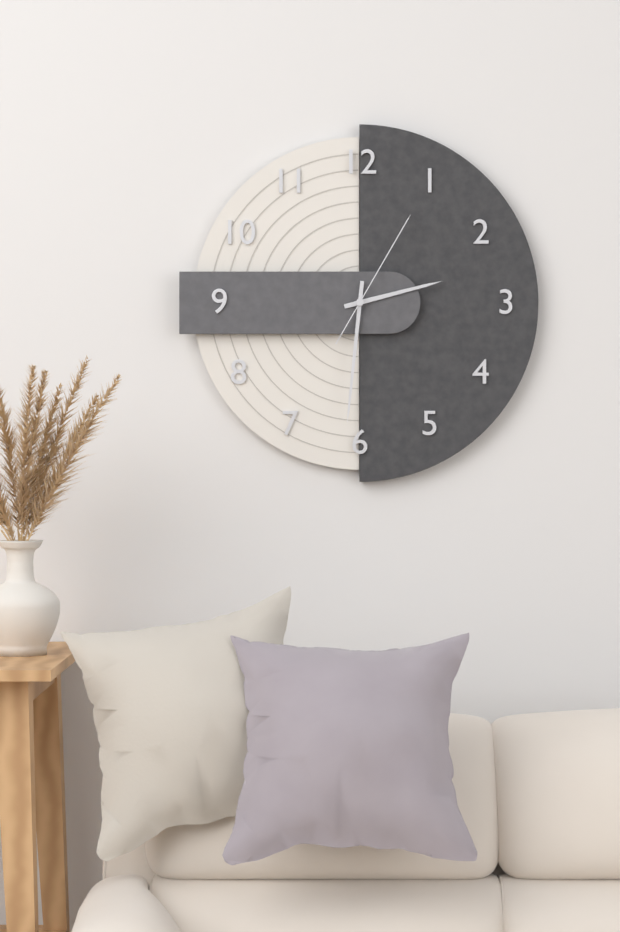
{"hour": 2, "minute": 31, "second": 5}
